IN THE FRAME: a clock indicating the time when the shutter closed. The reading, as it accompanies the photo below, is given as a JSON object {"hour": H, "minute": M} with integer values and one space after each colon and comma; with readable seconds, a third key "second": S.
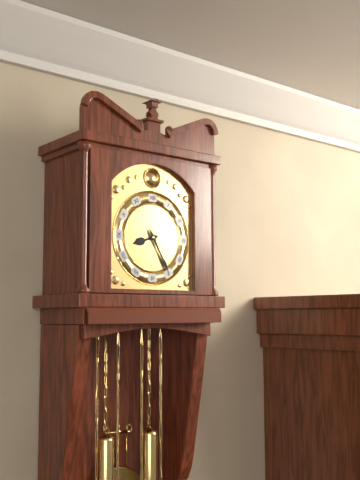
{"hour": 8, "minute": 25}
